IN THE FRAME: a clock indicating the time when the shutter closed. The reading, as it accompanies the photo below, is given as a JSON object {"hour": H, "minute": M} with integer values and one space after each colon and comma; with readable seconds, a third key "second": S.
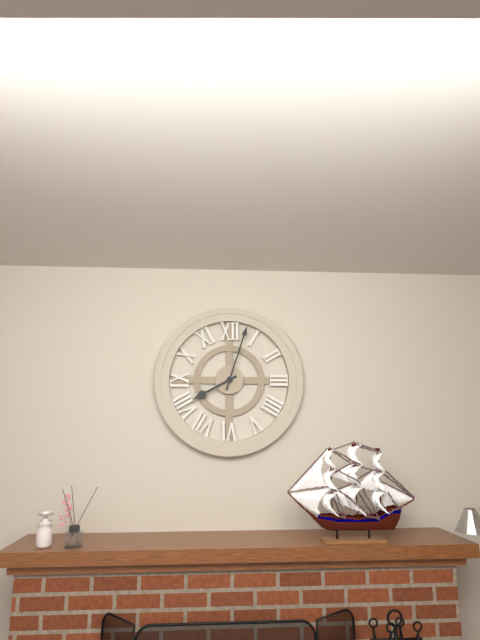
{"hour": 8, "minute": 3}
